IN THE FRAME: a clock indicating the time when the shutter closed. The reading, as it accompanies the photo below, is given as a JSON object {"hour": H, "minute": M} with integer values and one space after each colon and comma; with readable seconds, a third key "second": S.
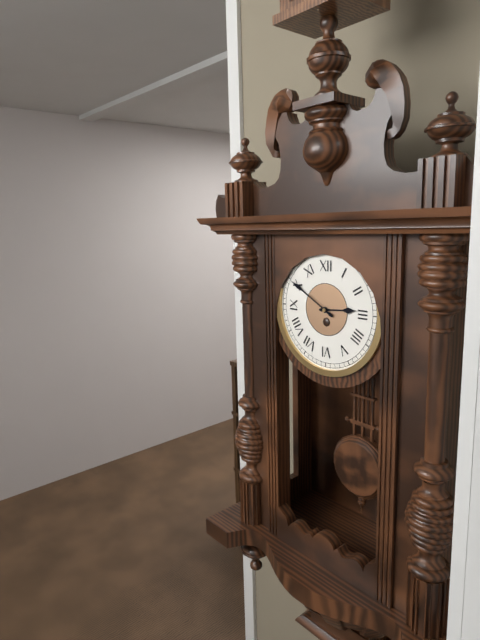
{"hour": 2, "minute": 50}
